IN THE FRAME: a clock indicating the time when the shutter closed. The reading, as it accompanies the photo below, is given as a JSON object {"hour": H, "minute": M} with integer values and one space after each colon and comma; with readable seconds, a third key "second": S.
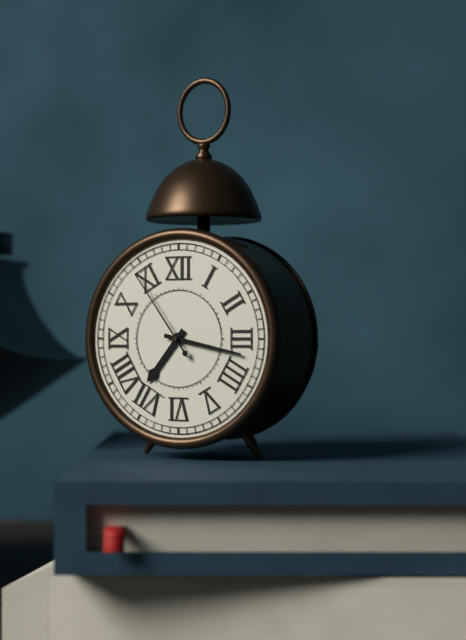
{"hour": 7, "minute": 17, "second": 54}
